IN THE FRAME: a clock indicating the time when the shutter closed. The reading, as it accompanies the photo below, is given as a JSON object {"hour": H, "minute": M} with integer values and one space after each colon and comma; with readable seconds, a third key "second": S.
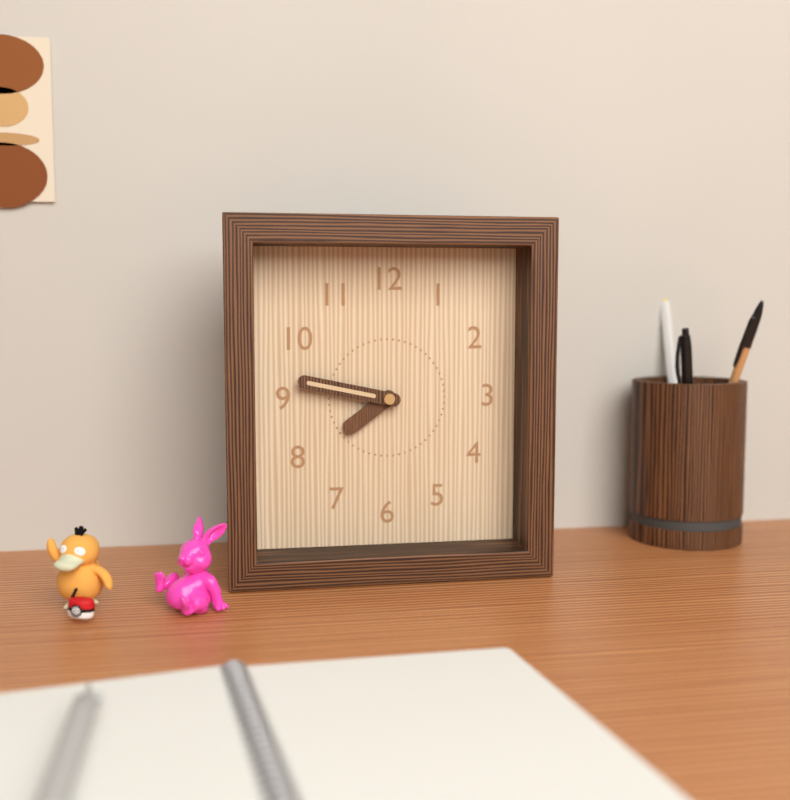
{"hour": 7, "minute": 47}
